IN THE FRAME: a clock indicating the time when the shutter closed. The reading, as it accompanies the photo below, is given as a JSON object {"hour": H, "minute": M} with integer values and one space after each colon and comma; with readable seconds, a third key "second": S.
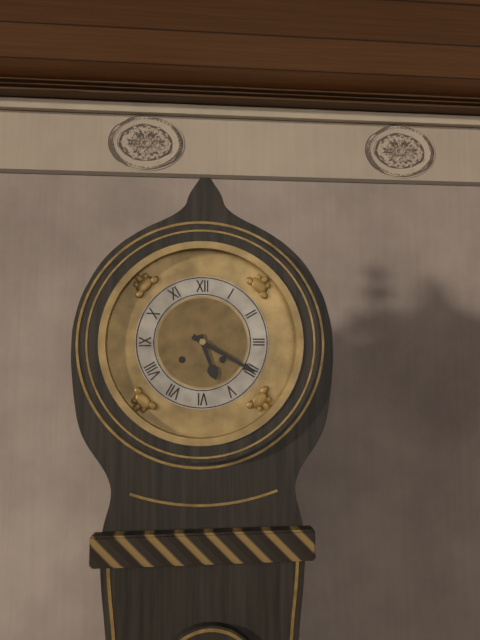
{"hour": 5, "minute": 20}
